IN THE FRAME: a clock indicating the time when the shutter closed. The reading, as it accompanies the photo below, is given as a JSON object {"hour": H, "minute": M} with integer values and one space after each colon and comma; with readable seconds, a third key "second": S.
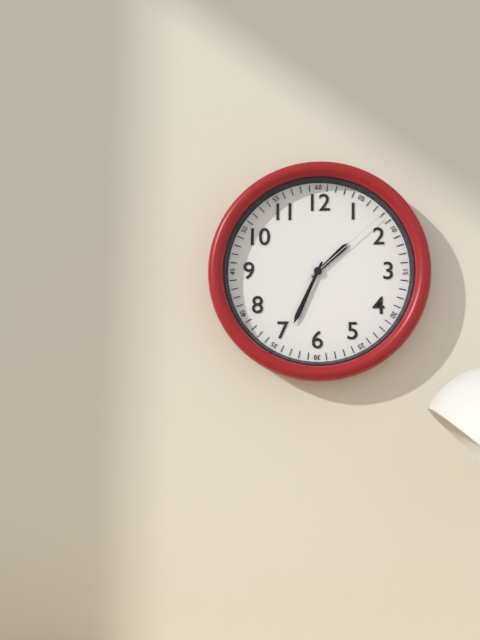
{"hour": 1, "minute": 34, "second": 8}
